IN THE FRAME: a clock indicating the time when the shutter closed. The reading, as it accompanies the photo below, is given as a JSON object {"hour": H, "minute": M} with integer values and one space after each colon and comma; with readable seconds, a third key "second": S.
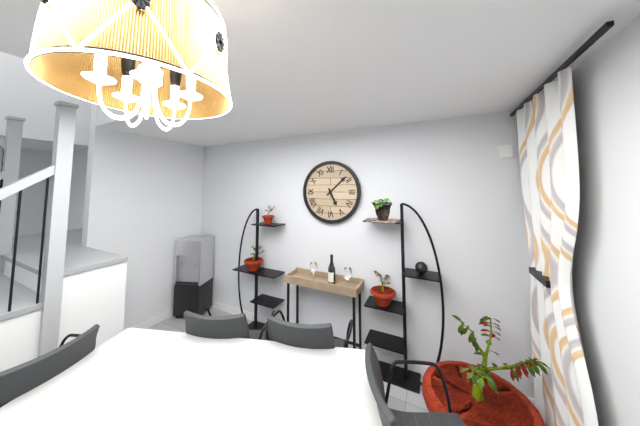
{"hour": 5, "minute": 8}
